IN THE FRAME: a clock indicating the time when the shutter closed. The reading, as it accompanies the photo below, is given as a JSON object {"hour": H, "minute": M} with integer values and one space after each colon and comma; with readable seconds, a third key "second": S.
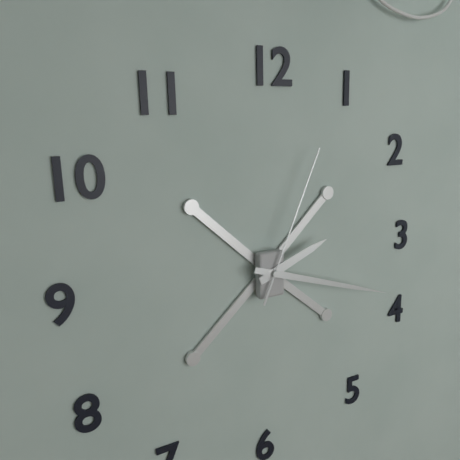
{"hour": 2, "minute": 18, "second": 4}
